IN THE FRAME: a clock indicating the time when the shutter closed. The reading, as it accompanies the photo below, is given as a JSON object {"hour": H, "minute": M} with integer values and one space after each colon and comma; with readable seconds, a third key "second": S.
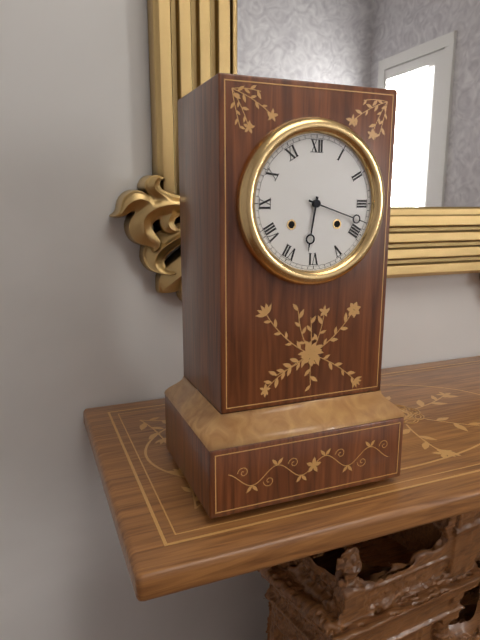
{"hour": 6, "minute": 18}
